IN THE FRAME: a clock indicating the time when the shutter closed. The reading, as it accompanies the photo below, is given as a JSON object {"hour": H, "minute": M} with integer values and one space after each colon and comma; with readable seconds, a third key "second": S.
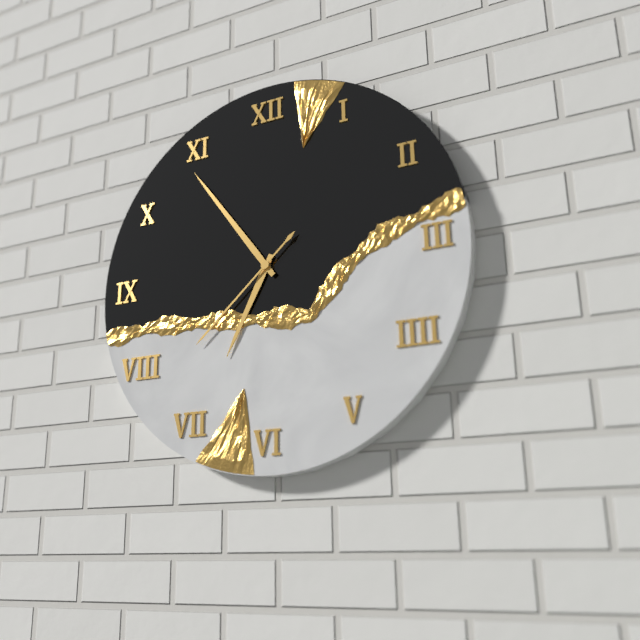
{"hour": 6, "minute": 54, "second": 38}
